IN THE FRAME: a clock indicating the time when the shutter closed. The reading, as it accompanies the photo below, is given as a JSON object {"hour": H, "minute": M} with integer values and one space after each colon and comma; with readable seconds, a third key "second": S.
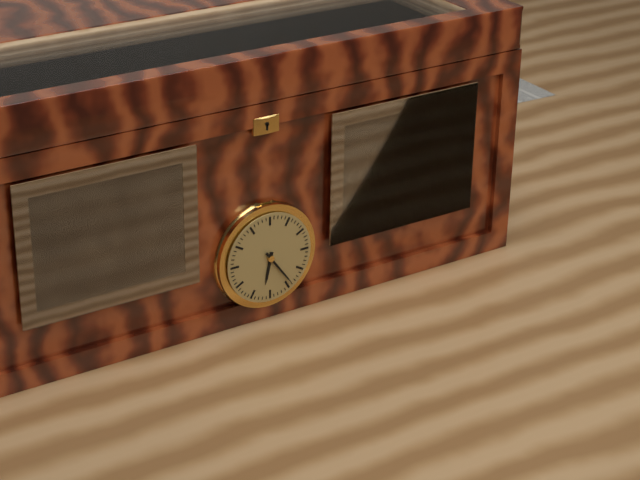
{"hour": 6, "minute": 24}
